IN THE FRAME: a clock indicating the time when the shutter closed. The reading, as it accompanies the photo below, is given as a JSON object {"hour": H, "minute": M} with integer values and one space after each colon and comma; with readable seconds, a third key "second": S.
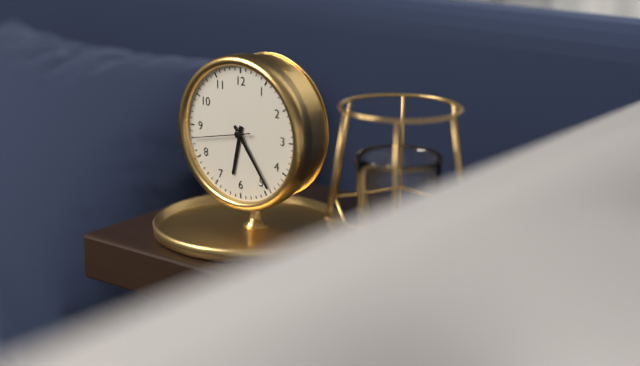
{"hour": 6, "minute": 24, "second": 43}
